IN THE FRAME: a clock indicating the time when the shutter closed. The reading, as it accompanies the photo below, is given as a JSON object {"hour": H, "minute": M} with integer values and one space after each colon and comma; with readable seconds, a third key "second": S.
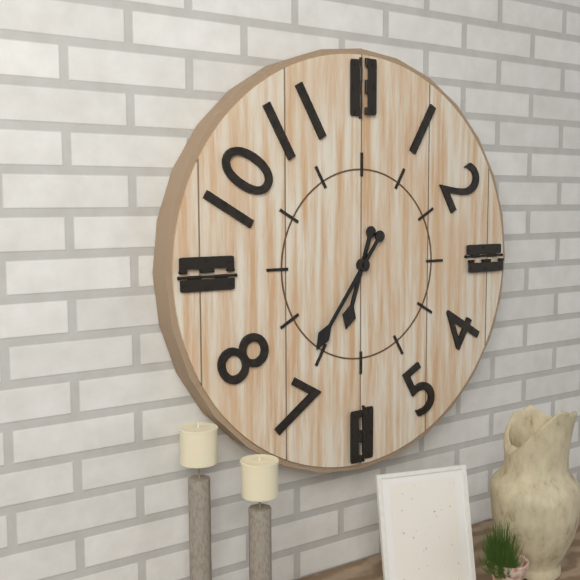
{"hour": 6, "minute": 36}
